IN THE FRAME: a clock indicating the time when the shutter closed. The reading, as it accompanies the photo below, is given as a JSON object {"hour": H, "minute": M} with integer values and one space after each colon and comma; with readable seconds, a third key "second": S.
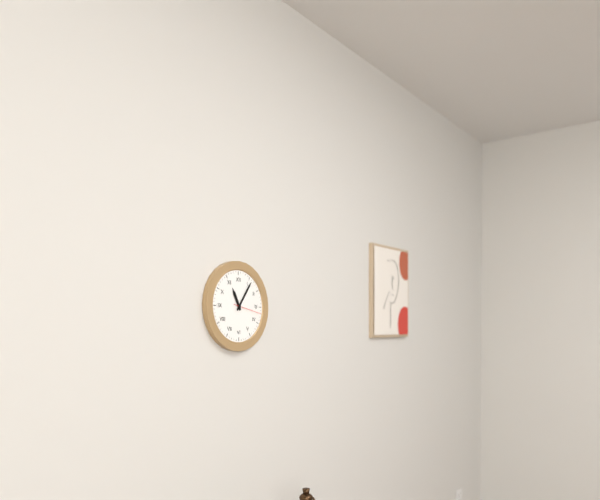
{"hour": 11, "minute": 6}
